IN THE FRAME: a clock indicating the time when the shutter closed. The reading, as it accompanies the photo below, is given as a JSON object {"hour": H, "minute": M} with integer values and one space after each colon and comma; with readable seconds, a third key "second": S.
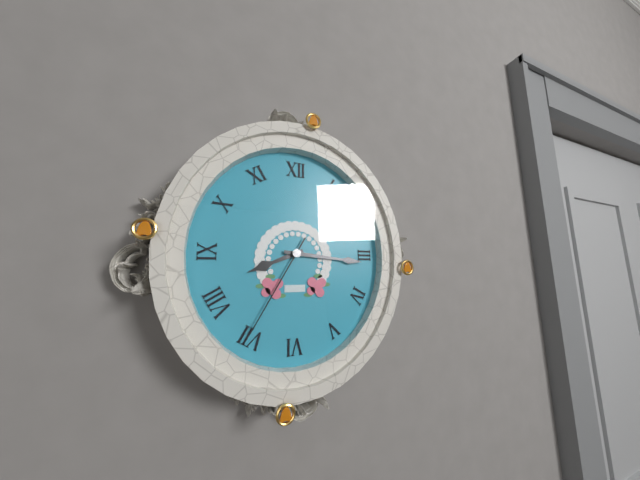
{"hour": 8, "minute": 16, "second": 35}
